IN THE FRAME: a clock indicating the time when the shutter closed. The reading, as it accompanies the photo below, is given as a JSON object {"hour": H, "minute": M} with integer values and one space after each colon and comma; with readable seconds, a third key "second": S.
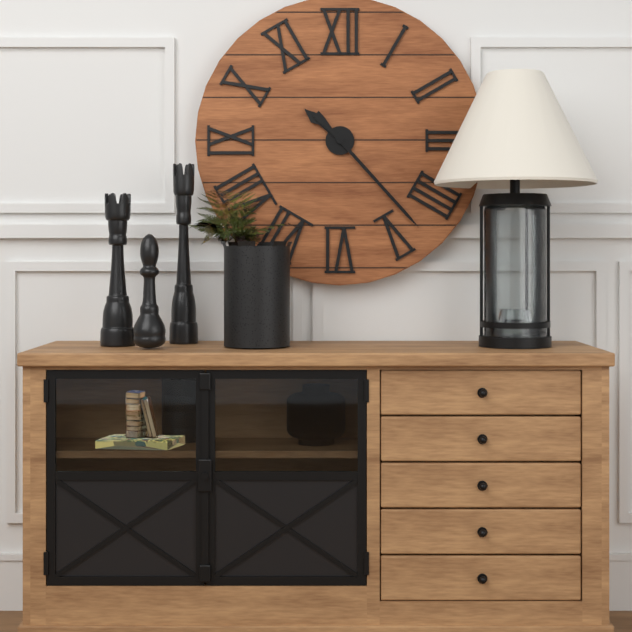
{"hour": 10, "minute": 23}
